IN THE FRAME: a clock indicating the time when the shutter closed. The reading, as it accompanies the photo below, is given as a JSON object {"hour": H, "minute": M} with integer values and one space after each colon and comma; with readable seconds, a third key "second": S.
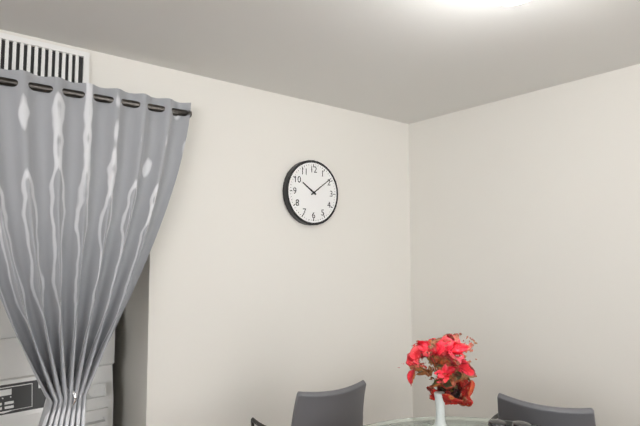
{"hour": 10, "minute": 9}
